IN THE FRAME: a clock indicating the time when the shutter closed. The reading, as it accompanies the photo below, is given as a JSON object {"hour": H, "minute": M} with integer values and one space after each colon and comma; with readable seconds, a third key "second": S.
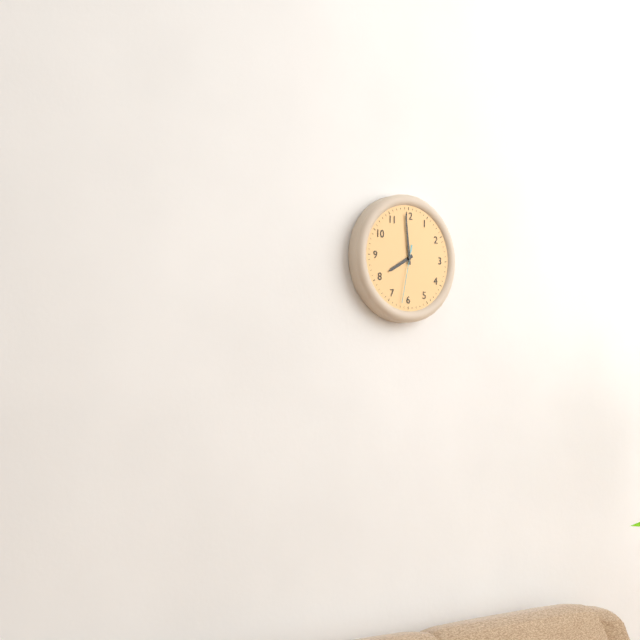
{"hour": 7, "minute": 59, "second": 32}
